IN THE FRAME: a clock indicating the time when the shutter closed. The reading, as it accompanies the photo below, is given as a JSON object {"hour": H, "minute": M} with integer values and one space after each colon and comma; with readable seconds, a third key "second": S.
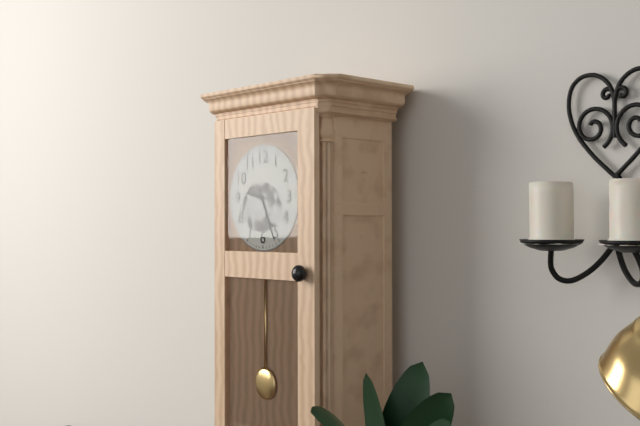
{"hour": 9, "minute": 26}
